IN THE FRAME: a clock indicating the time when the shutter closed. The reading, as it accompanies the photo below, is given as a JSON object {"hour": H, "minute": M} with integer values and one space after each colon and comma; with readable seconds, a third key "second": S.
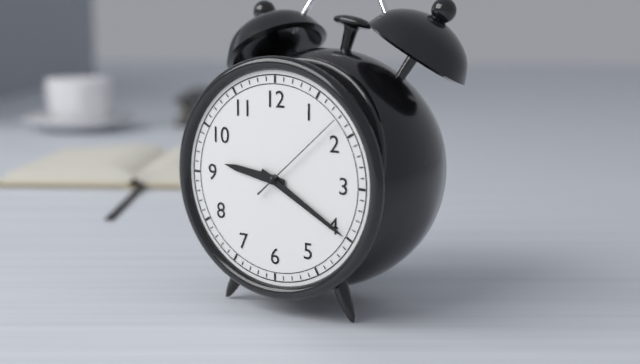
{"hour": 9, "minute": 20, "second": 8}
